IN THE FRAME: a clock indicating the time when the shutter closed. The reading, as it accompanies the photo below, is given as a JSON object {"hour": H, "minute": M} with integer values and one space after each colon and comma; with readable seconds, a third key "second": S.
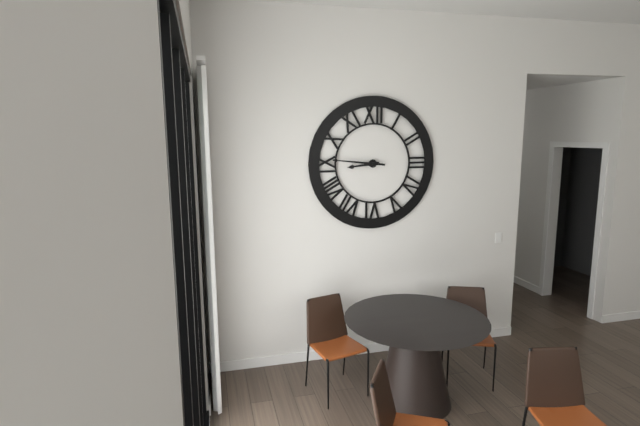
{"hour": 8, "minute": 46}
